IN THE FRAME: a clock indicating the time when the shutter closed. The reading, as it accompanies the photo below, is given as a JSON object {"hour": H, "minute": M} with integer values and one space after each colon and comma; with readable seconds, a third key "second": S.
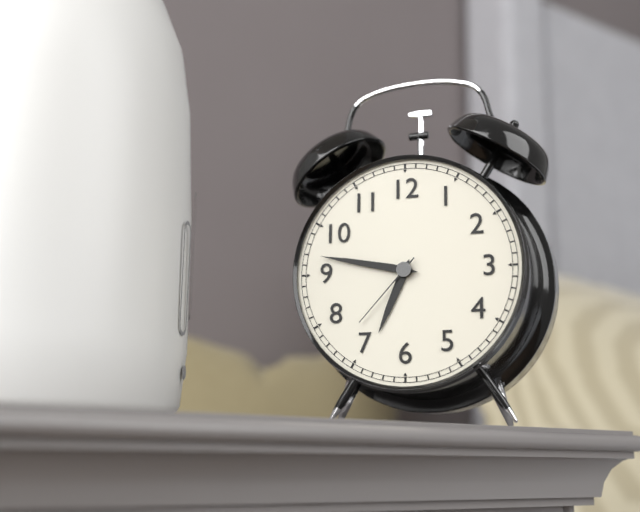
{"hour": 6, "minute": 47, "second": 37}
